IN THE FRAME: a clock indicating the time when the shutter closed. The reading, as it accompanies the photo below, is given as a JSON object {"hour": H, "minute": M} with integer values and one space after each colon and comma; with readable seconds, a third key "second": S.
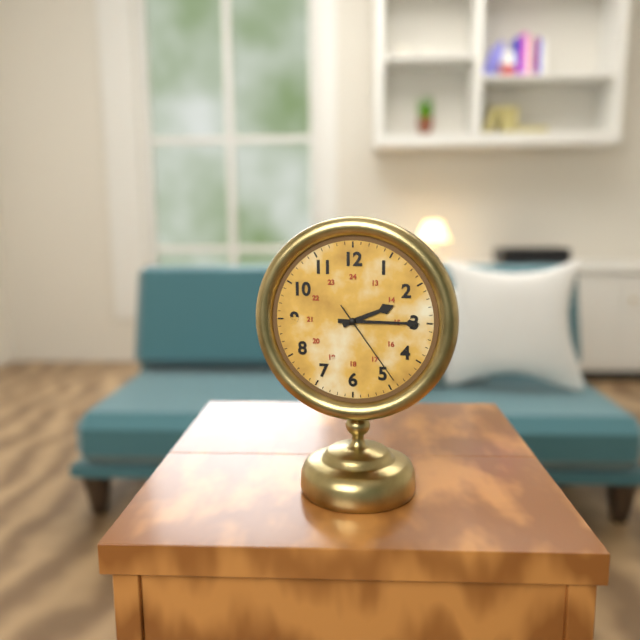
{"hour": 2, "minute": 15, "second": 24}
